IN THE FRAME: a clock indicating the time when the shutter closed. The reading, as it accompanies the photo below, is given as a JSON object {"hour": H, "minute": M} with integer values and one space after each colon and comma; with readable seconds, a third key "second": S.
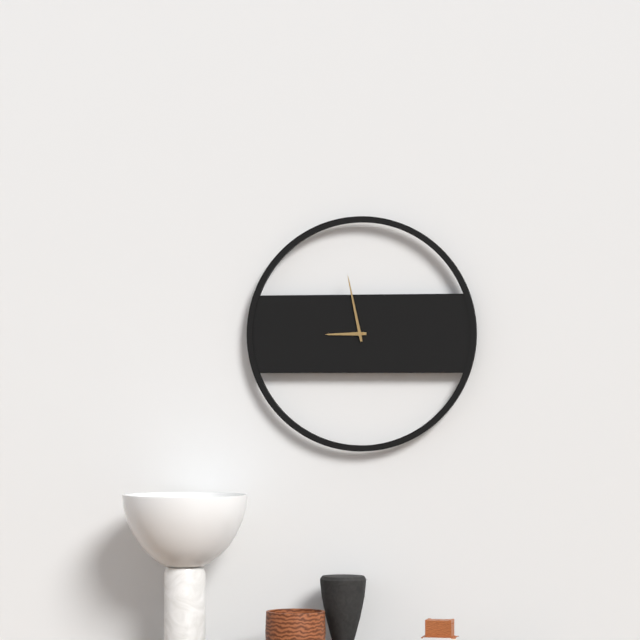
{"hour": 8, "minute": 58}
